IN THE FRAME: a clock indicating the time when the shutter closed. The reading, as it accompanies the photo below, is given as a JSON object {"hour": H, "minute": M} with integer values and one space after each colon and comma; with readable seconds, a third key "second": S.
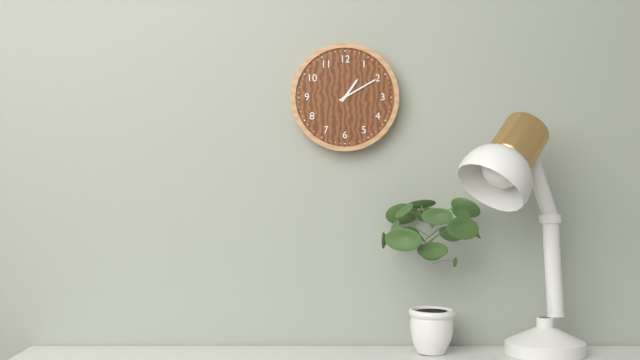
{"hour": 1, "minute": 10}
